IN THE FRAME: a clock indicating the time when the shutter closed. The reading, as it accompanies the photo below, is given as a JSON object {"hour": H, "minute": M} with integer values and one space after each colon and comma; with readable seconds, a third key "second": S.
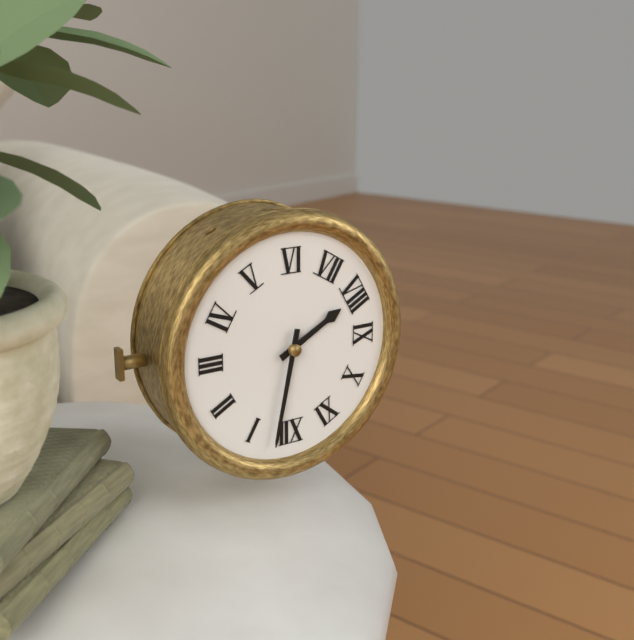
{"hour": 8, "minute": 2}
